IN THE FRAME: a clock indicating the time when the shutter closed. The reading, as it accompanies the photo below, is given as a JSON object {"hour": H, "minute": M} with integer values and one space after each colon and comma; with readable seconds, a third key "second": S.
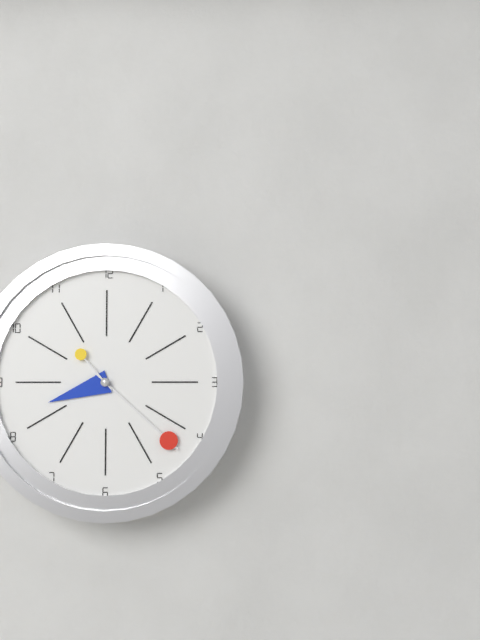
{"hour": 8, "minute": 22, "second": 53}
